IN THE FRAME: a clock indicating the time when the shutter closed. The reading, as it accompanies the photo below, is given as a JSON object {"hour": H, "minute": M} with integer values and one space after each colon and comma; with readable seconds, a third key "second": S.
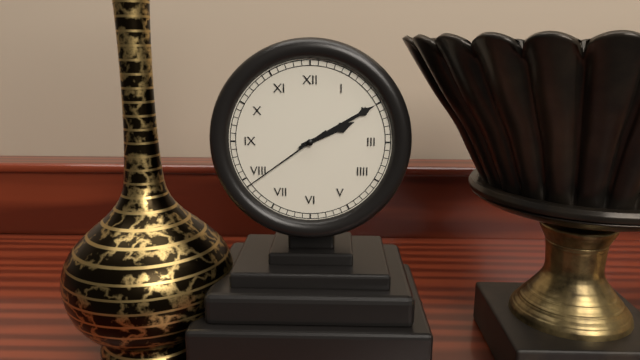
{"hour": 2, "minute": 10, "second": 39}
